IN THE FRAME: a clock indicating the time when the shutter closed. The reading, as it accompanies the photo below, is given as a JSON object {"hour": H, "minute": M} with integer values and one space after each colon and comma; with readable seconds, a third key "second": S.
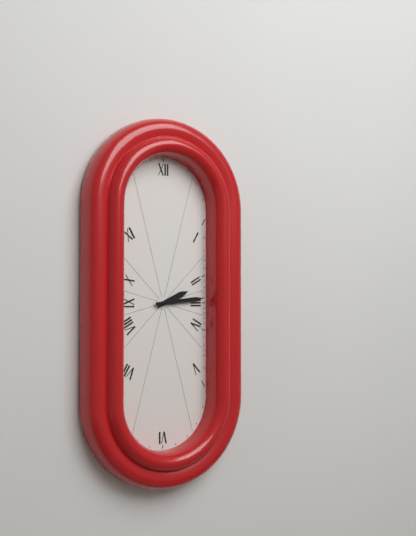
{"hour": 2, "minute": 14}
